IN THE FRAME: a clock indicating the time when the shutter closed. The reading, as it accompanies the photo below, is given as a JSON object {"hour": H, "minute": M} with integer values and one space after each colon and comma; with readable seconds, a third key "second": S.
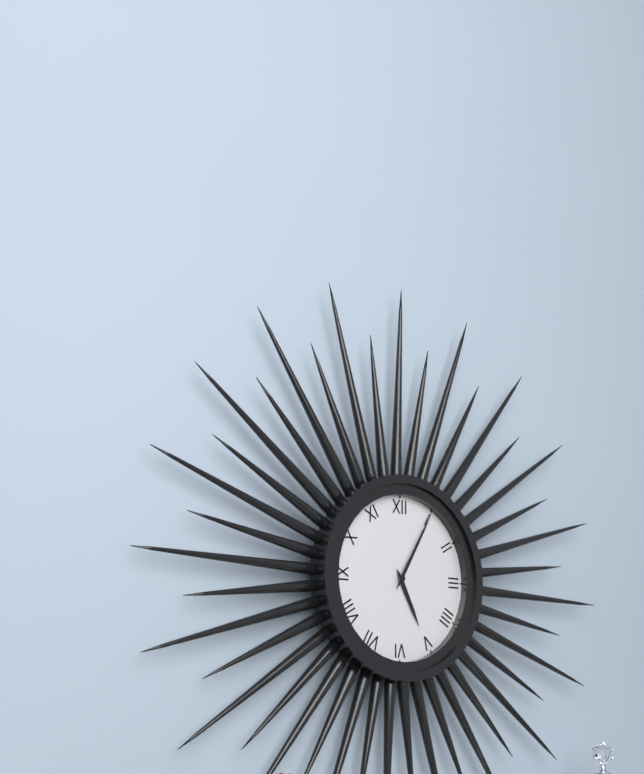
{"hour": 5, "minute": 5}
